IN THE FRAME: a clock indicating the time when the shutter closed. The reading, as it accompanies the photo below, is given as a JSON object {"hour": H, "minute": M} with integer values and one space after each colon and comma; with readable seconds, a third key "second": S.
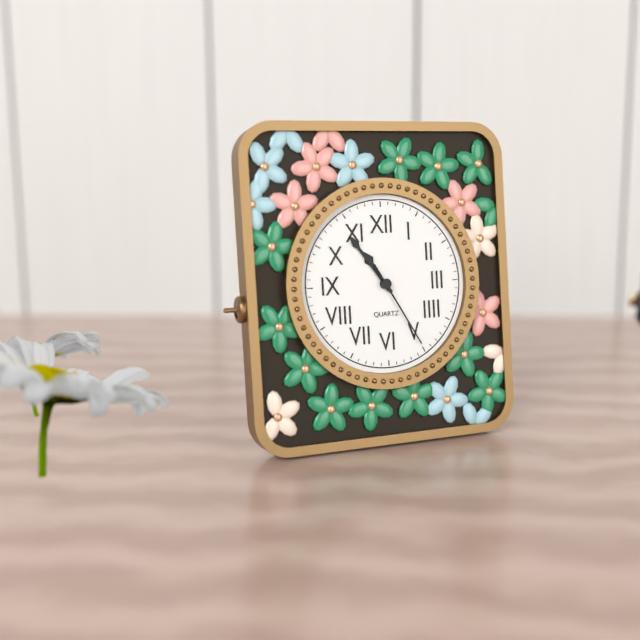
{"hour": 10, "minute": 54, "second": 25}
